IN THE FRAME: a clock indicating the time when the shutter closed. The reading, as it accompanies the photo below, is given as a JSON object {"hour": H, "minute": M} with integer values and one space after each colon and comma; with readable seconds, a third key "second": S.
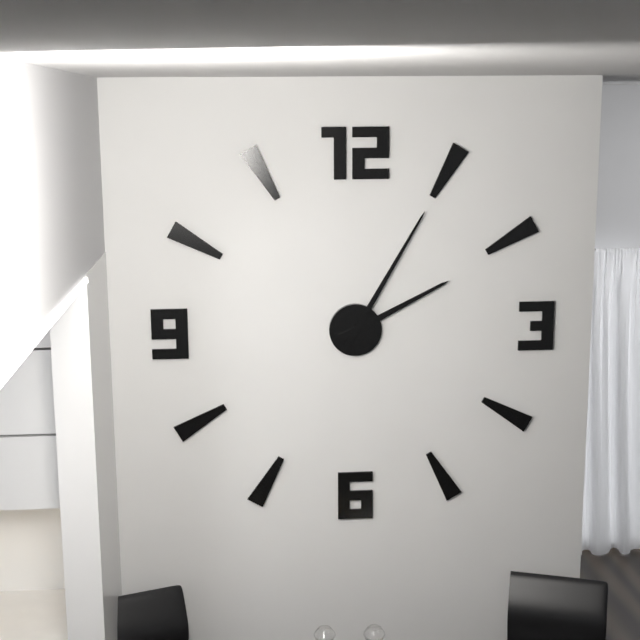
{"hour": 2, "minute": 5}
